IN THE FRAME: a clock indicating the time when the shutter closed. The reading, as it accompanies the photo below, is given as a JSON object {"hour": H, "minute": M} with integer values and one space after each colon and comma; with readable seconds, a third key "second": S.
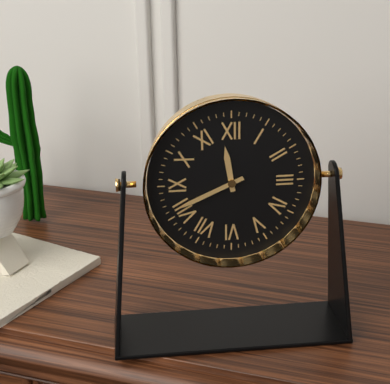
{"hour": 11, "minute": 41}
